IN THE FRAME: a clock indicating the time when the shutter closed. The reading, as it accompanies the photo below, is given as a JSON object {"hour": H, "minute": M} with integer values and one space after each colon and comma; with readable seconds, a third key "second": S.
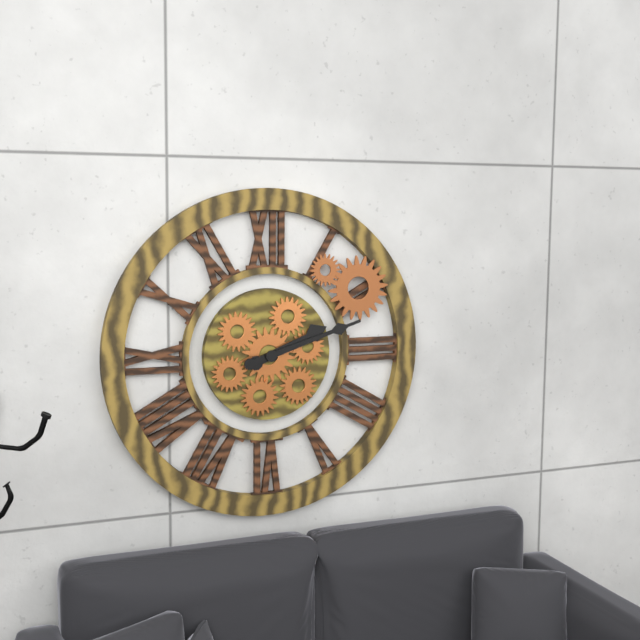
{"hour": 2, "minute": 12}
